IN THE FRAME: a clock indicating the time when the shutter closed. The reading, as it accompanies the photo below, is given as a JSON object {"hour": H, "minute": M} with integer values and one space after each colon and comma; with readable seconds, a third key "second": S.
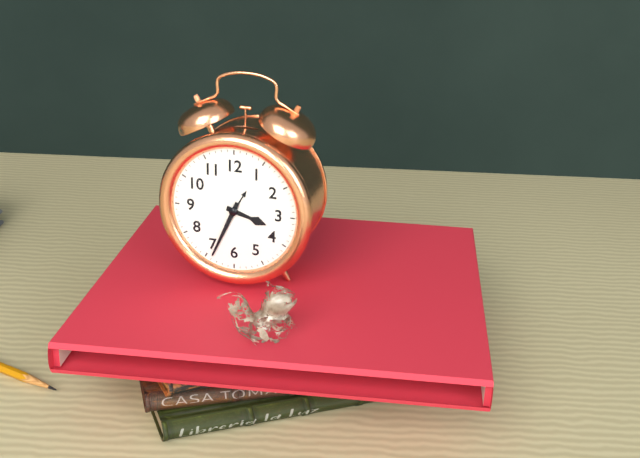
{"hour": 3, "minute": 34}
